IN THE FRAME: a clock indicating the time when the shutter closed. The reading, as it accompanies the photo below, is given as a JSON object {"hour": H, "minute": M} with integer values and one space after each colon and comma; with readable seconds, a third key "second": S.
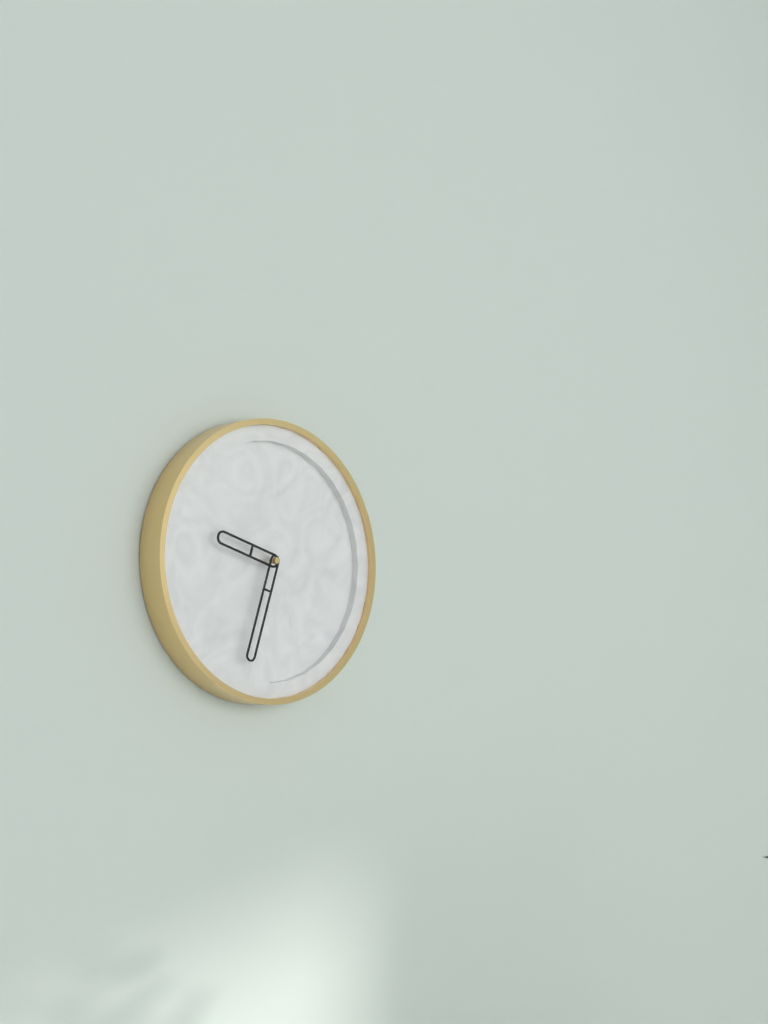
{"hour": 9, "minute": 33}
